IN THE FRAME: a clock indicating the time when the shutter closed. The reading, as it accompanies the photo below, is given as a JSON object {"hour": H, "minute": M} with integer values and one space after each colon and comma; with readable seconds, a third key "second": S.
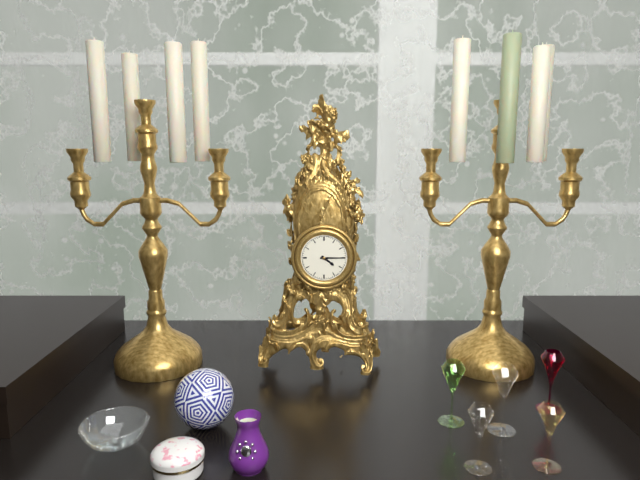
{"hour": 4, "minute": 15}
